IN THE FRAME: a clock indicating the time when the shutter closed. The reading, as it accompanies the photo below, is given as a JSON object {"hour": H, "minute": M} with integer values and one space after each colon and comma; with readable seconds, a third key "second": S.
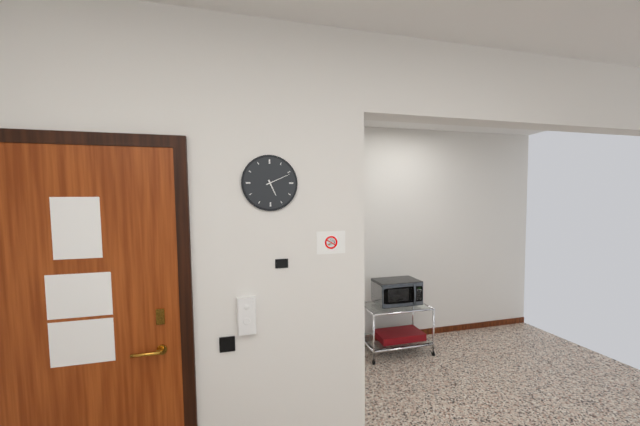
{"hour": 5, "minute": 11}
